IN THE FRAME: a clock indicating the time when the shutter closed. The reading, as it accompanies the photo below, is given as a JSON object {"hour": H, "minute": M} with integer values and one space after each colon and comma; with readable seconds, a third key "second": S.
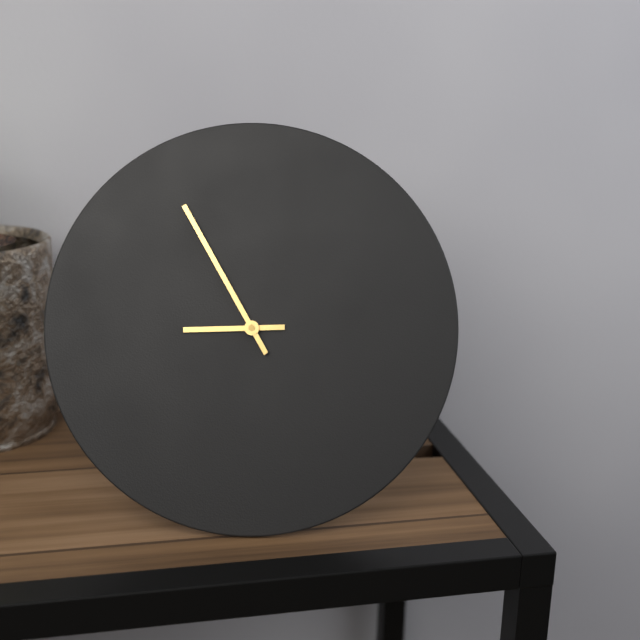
{"hour": 8, "minute": 55}
